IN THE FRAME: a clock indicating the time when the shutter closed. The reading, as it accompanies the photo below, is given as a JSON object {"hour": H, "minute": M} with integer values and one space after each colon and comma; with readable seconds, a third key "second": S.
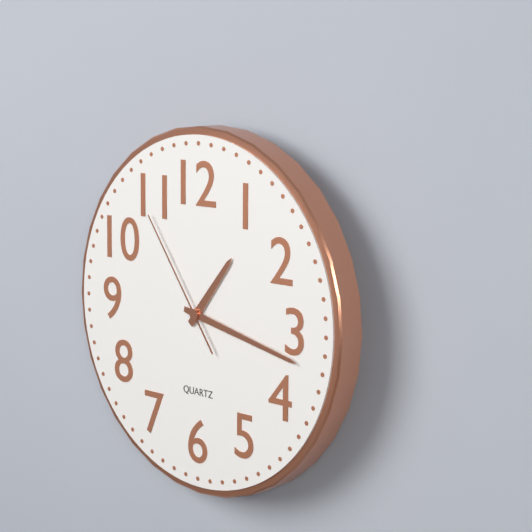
{"hour": 1, "minute": 17, "second": 54}
